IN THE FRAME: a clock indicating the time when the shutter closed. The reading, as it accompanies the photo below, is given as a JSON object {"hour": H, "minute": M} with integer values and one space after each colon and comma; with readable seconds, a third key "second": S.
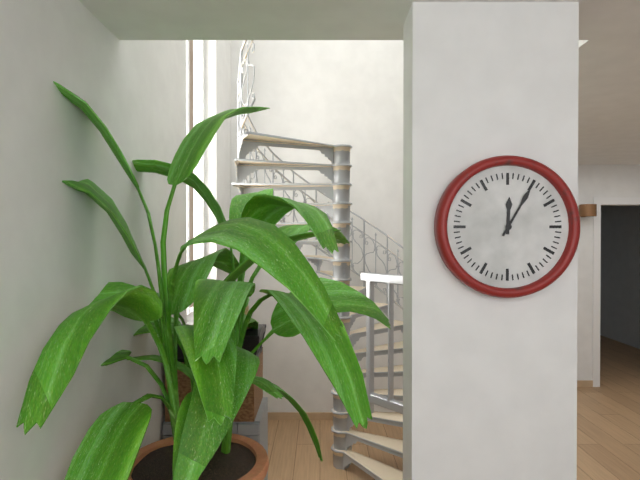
{"hour": 12, "minute": 5}
